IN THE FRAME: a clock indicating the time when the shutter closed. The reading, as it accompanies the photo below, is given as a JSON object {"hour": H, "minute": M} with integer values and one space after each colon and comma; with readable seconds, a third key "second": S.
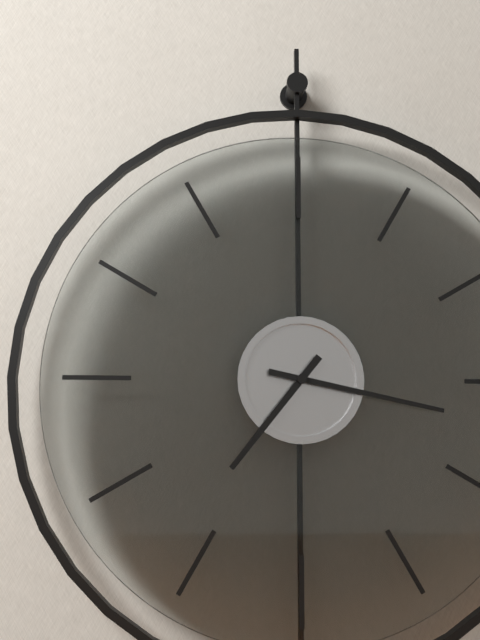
{"hour": 7, "minute": 17}
